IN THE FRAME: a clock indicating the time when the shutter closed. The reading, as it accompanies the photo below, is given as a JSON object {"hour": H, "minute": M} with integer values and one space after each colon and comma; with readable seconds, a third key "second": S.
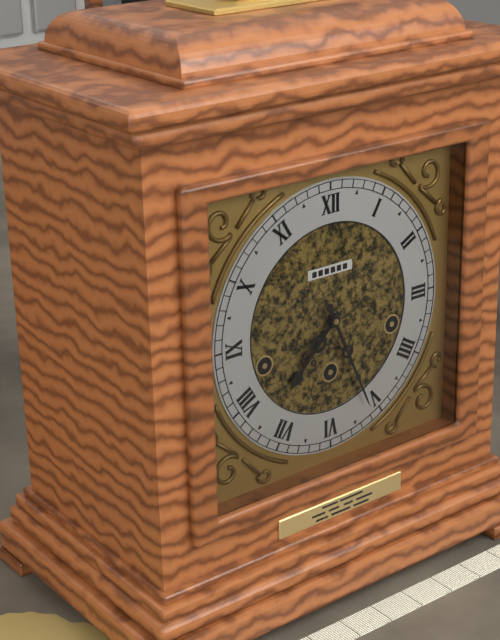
{"hour": 7, "minute": 26}
